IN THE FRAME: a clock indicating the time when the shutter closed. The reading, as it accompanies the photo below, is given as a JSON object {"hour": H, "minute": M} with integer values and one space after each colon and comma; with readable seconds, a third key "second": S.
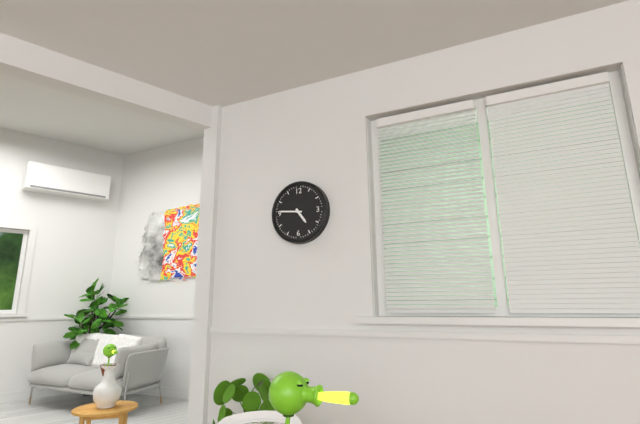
{"hour": 4, "minute": 46}
